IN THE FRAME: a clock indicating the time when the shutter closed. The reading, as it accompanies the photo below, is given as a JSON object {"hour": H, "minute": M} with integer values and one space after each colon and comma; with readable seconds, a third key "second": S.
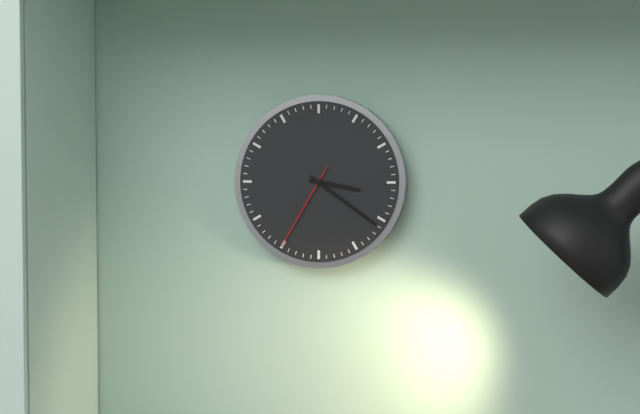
{"hour": 3, "minute": 21, "second": 35}
